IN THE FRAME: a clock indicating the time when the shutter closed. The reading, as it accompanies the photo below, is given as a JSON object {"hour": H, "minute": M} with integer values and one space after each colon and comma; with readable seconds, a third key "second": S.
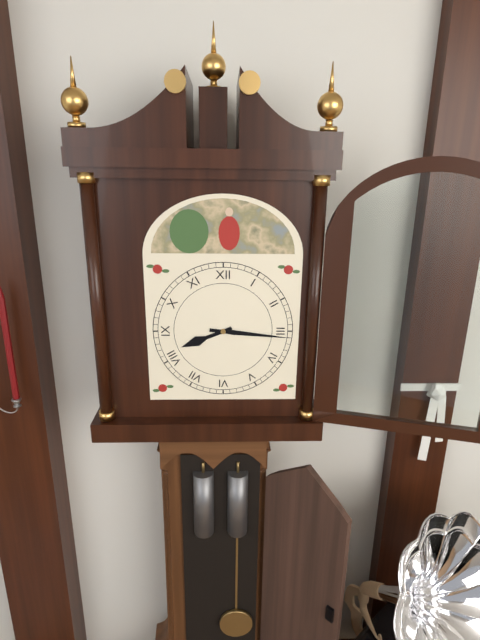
{"hour": 8, "minute": 16}
